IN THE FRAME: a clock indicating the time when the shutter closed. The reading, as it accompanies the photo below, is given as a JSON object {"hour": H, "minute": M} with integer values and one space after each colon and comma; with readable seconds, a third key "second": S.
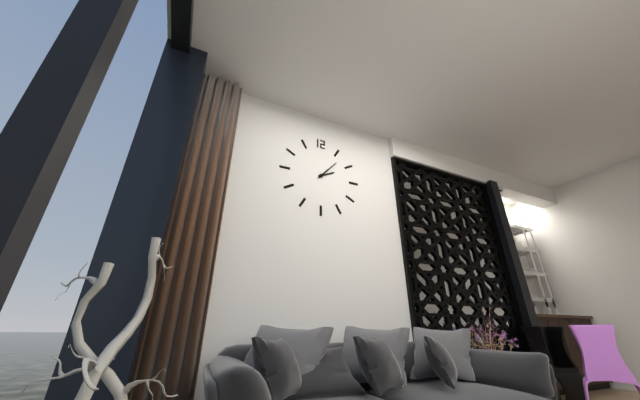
{"hour": 2, "minute": 7}
